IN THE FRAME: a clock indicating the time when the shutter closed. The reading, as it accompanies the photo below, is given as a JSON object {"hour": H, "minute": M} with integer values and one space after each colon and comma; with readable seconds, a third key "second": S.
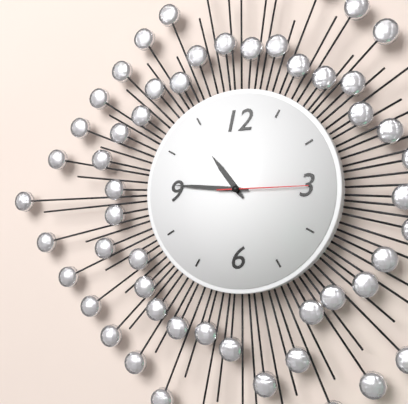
{"hour": 10, "minute": 46, "second": 15}
